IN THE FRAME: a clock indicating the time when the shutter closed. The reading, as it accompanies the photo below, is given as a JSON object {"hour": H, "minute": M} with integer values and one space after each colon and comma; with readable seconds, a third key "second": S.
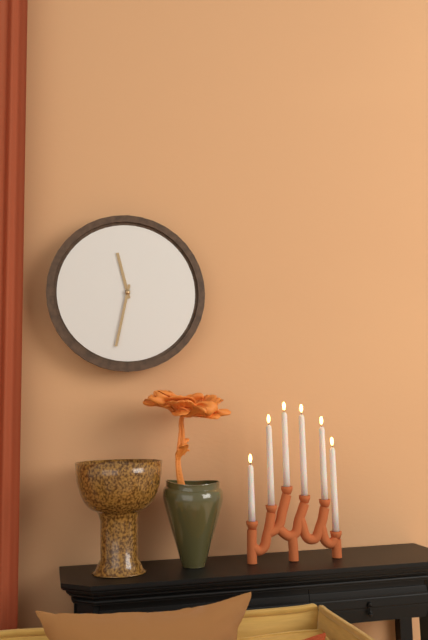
{"hour": 11, "minute": 32}
